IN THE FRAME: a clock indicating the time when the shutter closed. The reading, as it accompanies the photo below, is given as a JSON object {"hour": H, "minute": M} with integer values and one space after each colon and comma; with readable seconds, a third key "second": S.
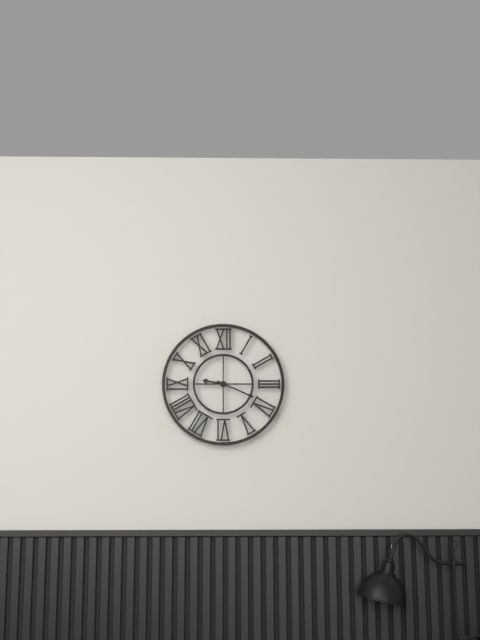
{"hour": 9, "minute": 19}
